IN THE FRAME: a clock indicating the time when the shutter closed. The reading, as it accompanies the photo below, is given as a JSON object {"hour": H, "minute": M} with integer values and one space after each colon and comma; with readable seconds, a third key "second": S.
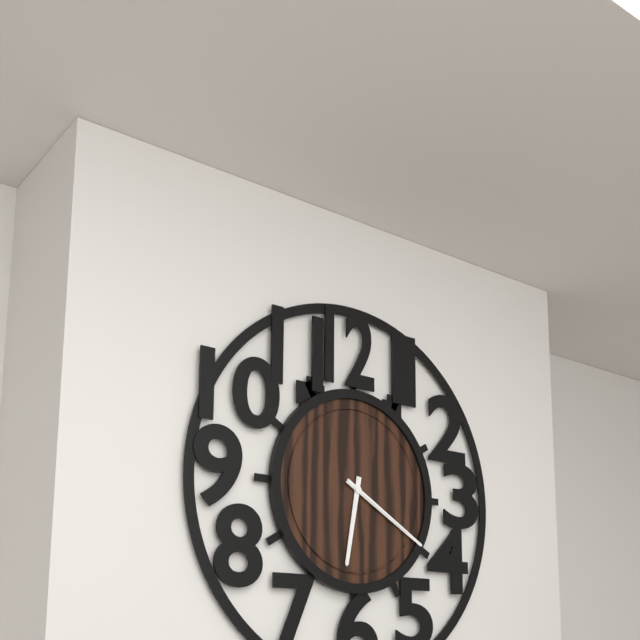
{"hour": 6, "minute": 20, "second": 20}
